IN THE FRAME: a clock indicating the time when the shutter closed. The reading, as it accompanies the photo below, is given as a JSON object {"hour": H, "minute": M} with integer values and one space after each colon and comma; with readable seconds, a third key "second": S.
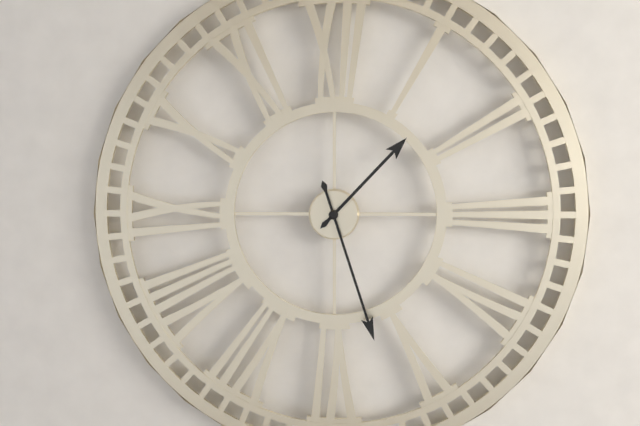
{"hour": 1, "minute": 27}
